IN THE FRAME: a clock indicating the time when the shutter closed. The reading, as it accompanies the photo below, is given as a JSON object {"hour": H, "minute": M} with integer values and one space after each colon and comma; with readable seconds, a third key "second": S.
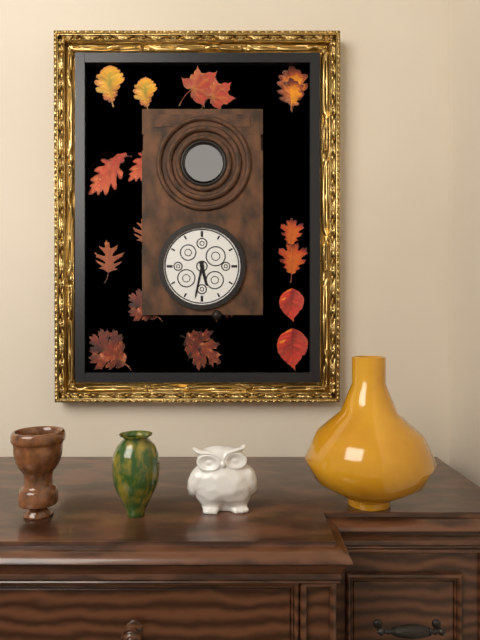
{"hour": 5, "minute": 32}
